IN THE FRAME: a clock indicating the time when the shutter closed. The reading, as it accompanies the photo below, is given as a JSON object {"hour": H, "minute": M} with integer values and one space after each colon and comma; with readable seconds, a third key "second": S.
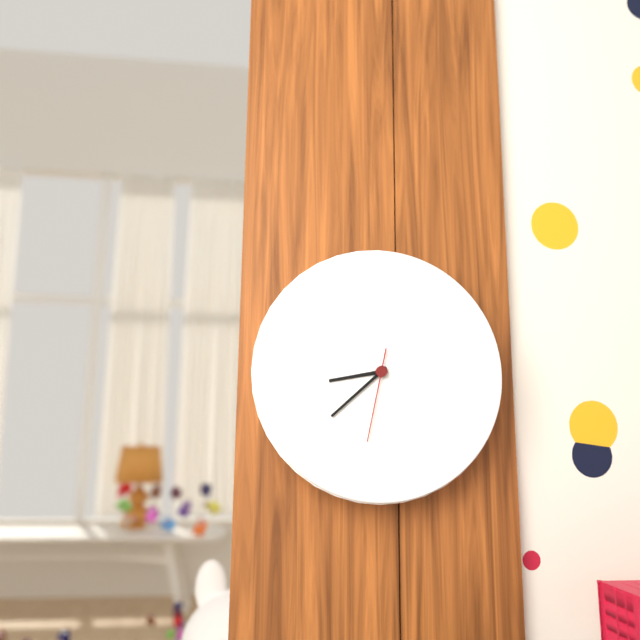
{"hour": 8, "minute": 38, "second": 32}
